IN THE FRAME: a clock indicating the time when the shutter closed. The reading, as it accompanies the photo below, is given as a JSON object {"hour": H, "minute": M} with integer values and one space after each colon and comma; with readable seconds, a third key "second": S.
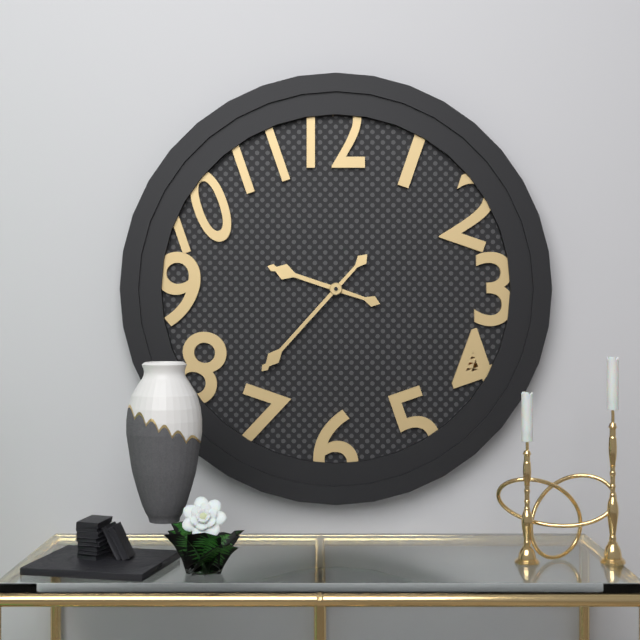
{"hour": 9, "minute": 37}
